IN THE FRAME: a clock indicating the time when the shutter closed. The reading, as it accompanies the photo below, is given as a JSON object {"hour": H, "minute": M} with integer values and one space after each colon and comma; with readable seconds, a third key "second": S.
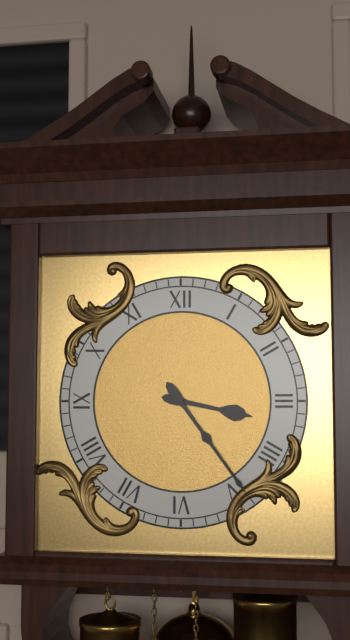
{"hour": 3, "minute": 24}
